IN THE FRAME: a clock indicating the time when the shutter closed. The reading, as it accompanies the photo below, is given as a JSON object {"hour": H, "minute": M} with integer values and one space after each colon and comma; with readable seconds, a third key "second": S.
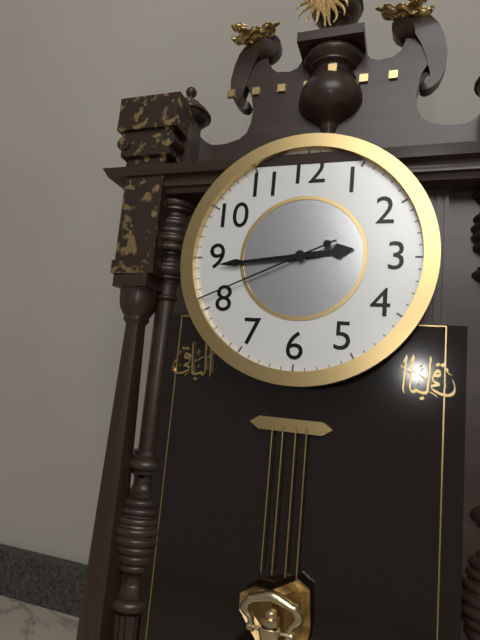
{"hour": 2, "minute": 44, "second": 41}
